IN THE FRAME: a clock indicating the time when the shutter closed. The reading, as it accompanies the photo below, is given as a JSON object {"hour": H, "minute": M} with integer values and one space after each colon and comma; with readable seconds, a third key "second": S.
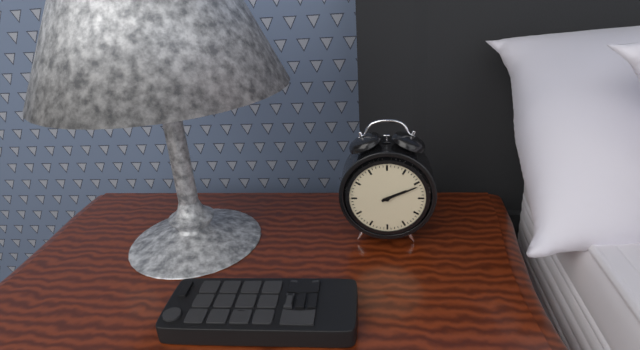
{"hour": 2, "minute": 11}
